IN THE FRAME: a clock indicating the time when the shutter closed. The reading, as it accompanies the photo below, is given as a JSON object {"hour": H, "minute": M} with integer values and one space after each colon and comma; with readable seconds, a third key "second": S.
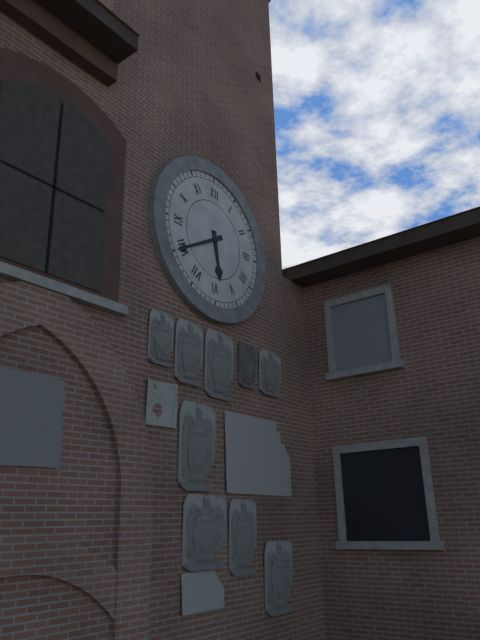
{"hour": 5, "minute": 40}
